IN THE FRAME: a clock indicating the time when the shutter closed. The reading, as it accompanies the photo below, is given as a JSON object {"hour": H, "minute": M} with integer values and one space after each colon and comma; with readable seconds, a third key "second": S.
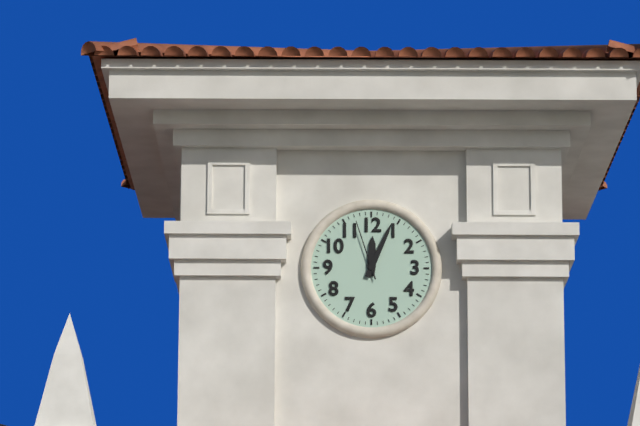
{"hour": 12, "minute": 4, "second": 57}
